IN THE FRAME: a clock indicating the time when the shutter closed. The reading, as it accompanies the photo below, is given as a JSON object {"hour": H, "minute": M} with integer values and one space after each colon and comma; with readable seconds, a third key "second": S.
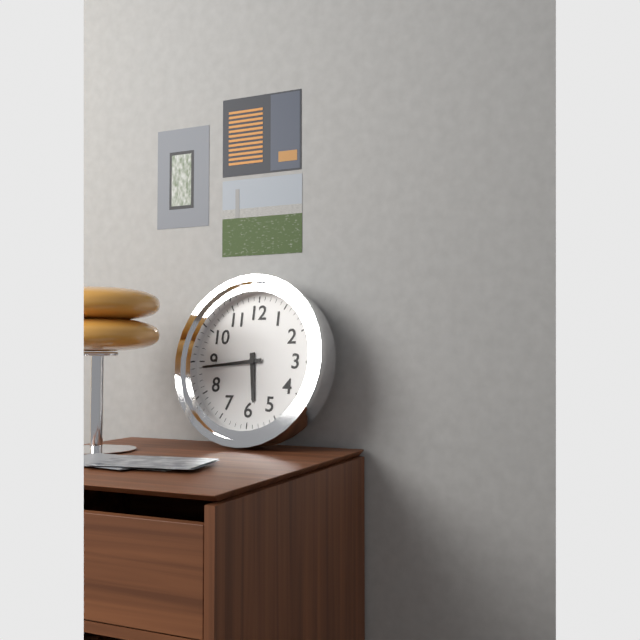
{"hour": 5, "minute": 44}
